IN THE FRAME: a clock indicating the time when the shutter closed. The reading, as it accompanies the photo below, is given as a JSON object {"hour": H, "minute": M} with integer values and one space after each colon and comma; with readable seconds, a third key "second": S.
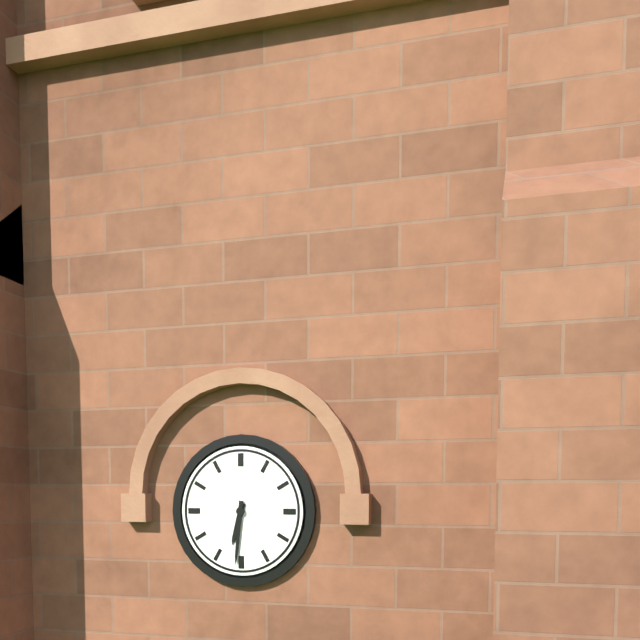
{"hour": 6, "minute": 31}
